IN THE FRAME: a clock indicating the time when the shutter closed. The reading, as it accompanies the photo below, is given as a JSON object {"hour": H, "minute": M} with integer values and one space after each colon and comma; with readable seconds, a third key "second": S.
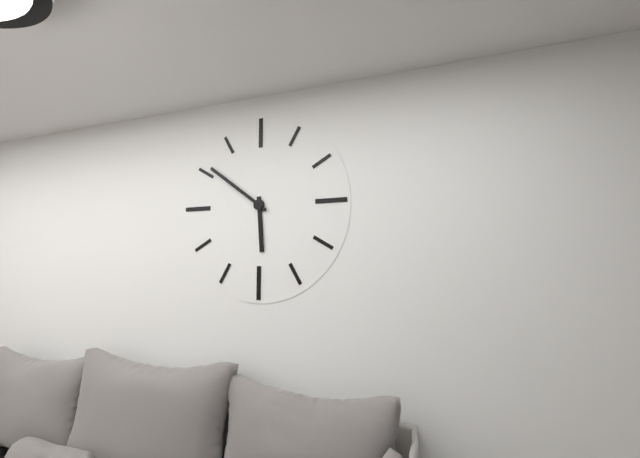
{"hour": 5, "minute": 51}
